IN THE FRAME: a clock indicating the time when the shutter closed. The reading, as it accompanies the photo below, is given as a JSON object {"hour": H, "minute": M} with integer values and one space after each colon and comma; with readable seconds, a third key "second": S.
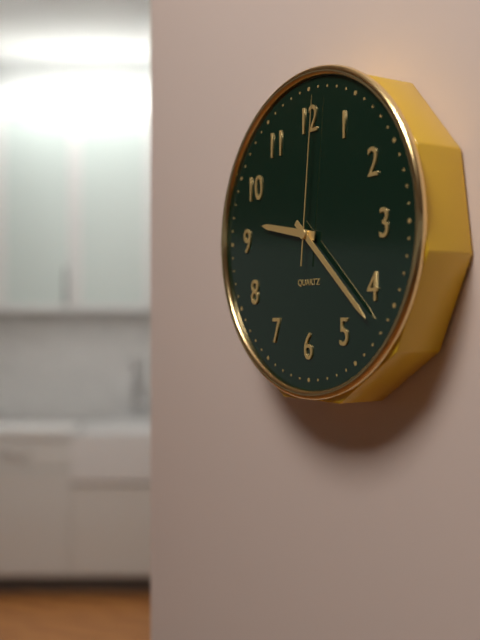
{"hour": 9, "minute": 22, "second": 1}
